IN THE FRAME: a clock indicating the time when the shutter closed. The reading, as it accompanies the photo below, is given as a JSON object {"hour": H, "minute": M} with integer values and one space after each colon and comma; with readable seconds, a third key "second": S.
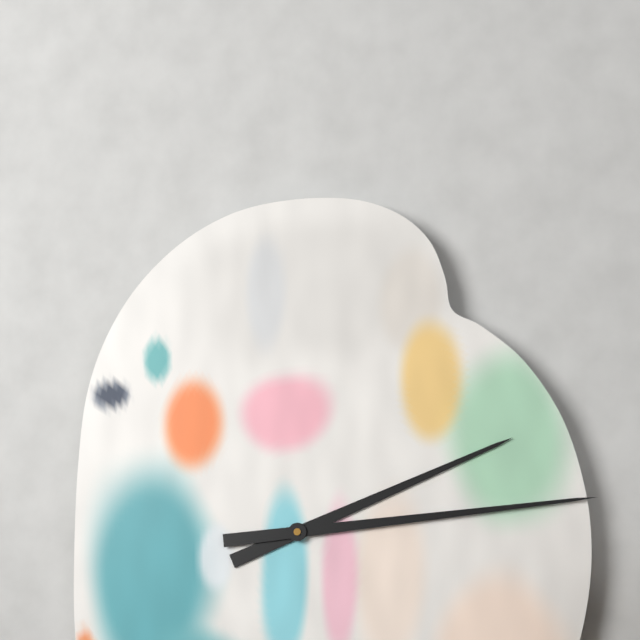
{"hour": 2, "minute": 14}
